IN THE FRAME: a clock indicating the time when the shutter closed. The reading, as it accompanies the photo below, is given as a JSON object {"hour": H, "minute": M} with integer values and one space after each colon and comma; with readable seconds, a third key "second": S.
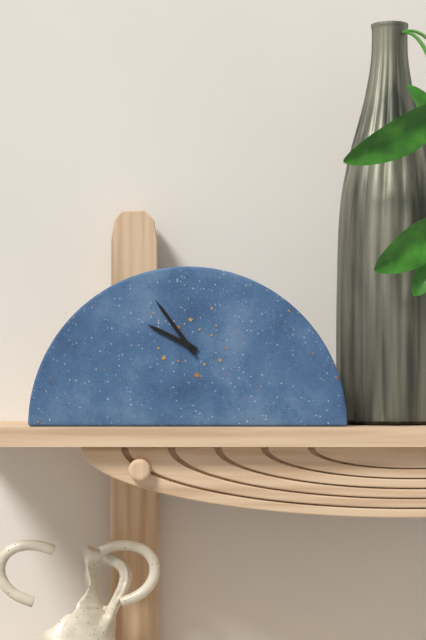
{"hour": 9, "minute": 54}
